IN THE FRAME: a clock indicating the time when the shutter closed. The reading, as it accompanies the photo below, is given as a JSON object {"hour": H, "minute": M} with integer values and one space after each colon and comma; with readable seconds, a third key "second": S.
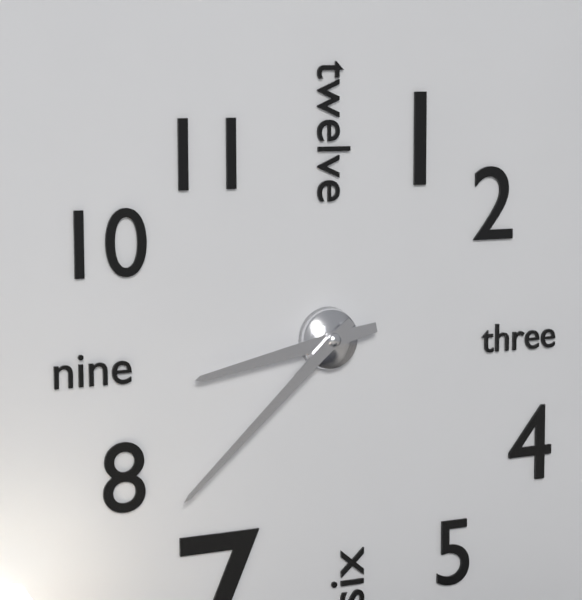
{"hour": 8, "minute": 38}
